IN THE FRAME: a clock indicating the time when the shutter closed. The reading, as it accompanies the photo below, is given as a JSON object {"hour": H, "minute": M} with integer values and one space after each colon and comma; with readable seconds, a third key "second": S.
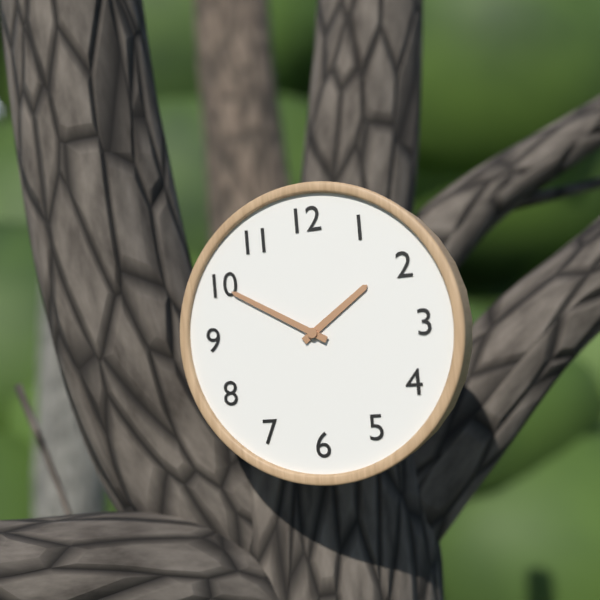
{"hour": 1, "minute": 50}
